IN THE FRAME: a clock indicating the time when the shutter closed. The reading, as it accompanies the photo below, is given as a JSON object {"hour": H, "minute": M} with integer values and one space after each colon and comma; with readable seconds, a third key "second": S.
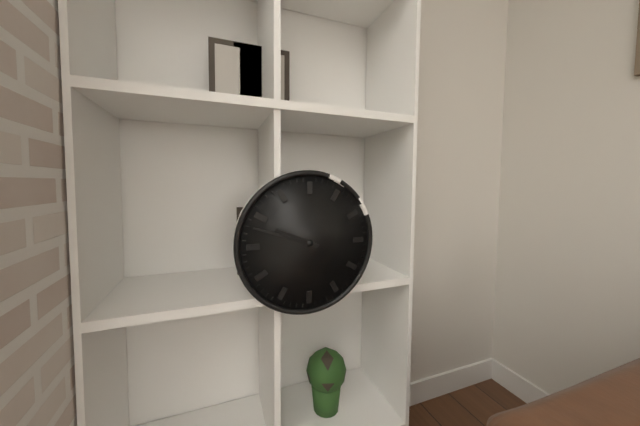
{"hour": 9, "minute": 48}
